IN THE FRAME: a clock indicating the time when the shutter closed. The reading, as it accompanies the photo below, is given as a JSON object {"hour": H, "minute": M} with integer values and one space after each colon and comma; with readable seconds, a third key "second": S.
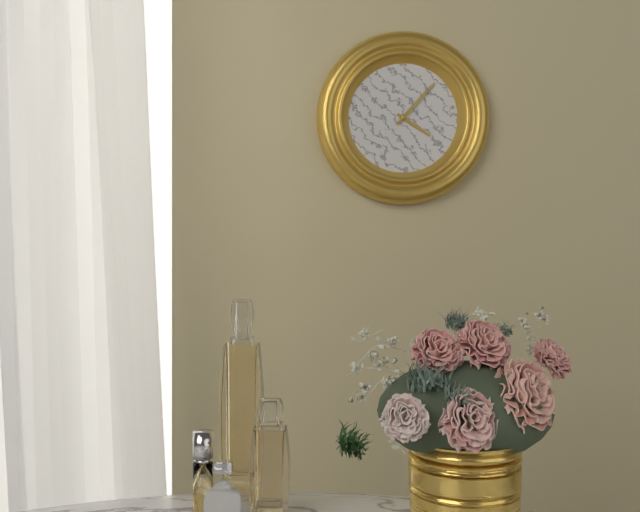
{"hour": 4, "minute": 7}
